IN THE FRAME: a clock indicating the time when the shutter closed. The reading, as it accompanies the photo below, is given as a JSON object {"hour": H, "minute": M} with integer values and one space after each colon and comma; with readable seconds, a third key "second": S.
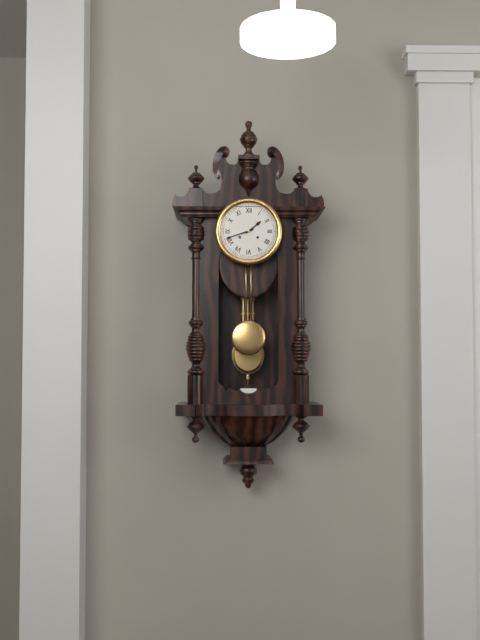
{"hour": 1, "minute": 42}
